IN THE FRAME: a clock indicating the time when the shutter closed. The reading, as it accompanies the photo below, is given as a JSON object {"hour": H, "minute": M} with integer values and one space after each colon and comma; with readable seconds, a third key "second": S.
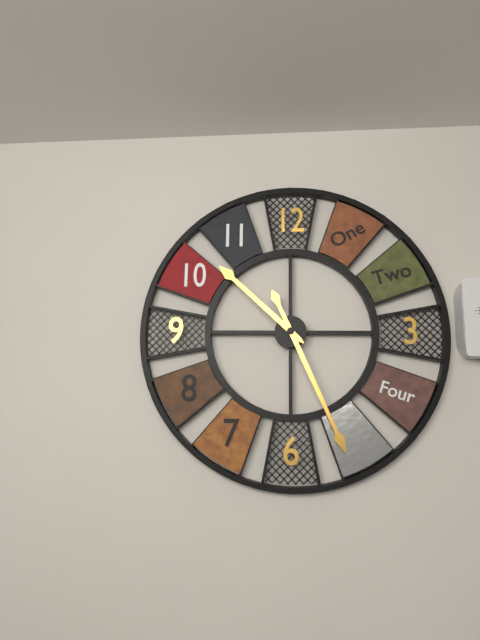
{"hour": 10, "minute": 26}
